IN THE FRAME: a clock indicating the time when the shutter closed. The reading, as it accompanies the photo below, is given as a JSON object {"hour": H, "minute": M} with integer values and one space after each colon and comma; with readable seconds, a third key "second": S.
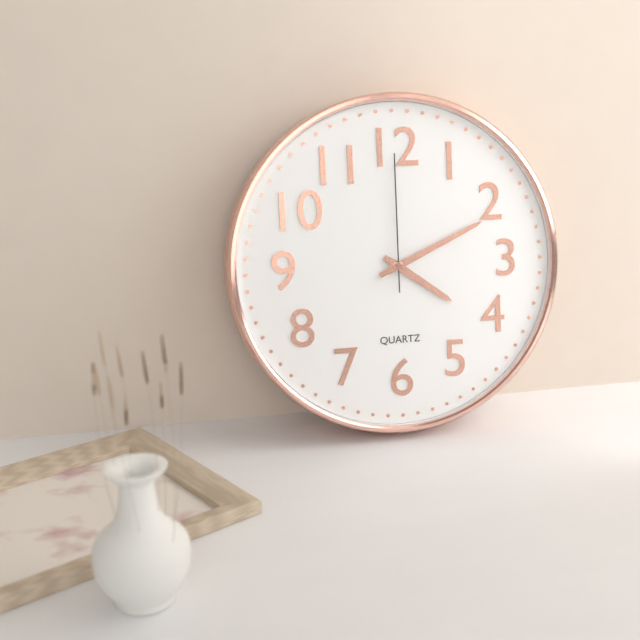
{"hour": 4, "minute": 11, "second": 0}
